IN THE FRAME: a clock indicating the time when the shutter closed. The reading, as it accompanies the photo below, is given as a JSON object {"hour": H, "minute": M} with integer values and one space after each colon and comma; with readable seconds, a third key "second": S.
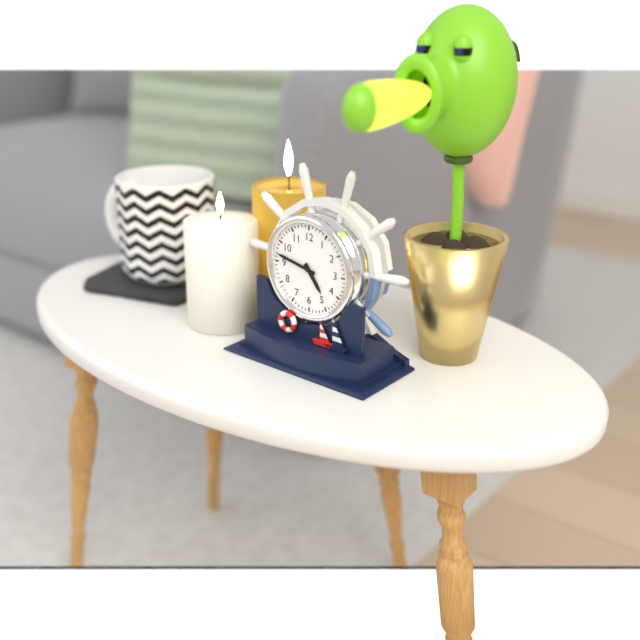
{"hour": 4, "minute": 47}
